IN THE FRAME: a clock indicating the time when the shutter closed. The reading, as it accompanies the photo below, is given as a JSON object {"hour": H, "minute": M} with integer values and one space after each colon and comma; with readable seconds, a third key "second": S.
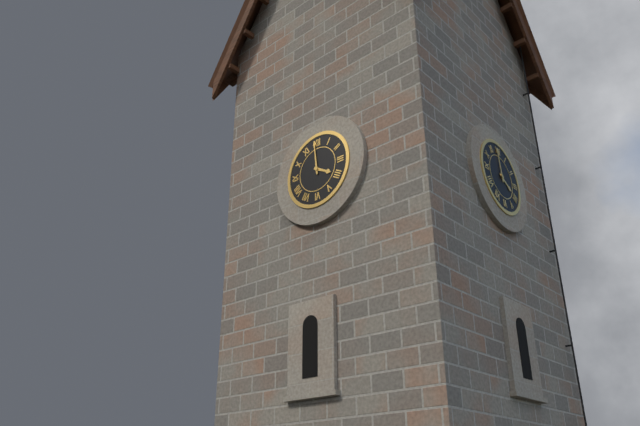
{"hour": 3, "minute": 59}
